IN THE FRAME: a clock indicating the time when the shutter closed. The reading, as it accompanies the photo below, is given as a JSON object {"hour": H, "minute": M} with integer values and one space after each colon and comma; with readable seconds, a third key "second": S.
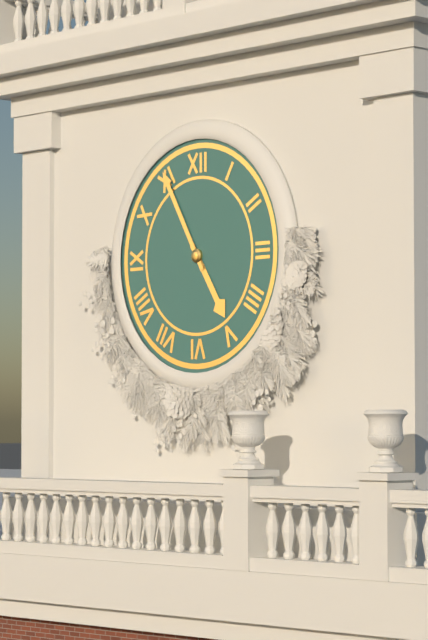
{"hour": 4, "minute": 55}
